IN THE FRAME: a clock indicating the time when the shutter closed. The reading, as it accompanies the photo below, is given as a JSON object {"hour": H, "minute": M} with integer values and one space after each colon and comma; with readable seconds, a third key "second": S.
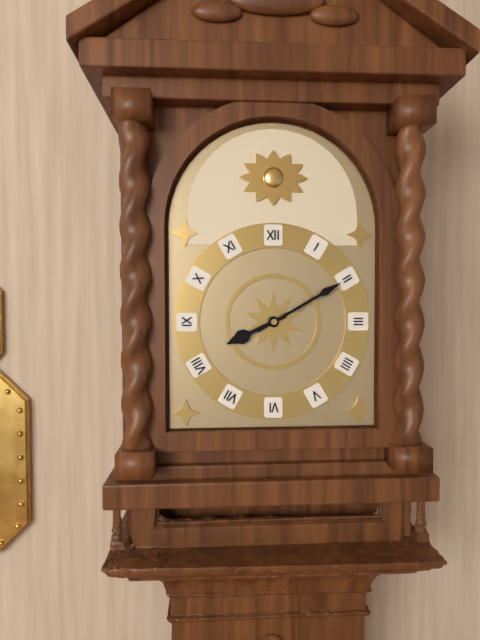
{"hour": 8, "minute": 10}
